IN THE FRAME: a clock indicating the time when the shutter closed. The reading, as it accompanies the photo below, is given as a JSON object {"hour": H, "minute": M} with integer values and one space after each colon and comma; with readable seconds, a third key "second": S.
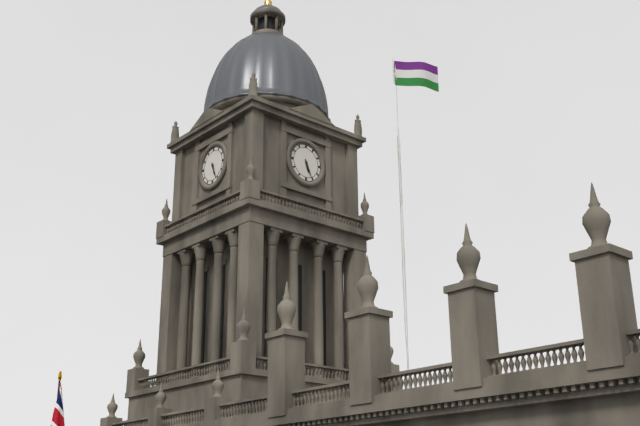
{"hour": 5, "minute": 26}
